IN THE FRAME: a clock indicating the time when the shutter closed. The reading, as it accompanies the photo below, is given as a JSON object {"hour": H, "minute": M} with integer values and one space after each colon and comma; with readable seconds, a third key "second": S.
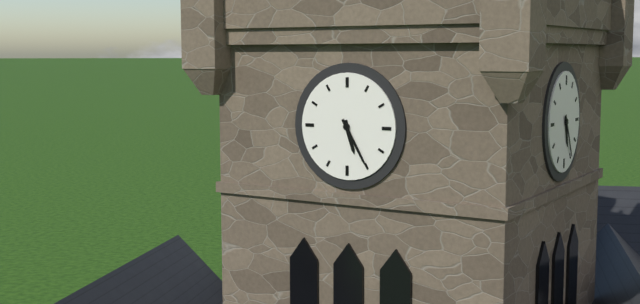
{"hour": 5, "minute": 25}
